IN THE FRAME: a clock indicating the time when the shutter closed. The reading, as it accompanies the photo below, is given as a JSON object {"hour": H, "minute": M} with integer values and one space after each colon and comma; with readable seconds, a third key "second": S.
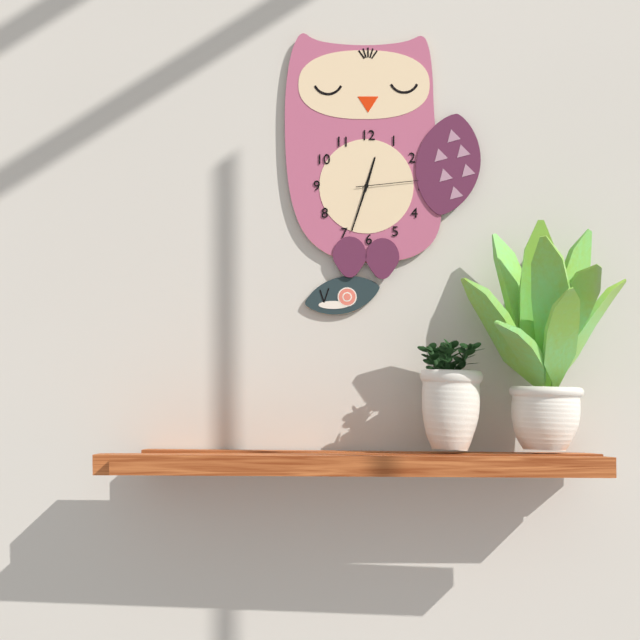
{"hour": 12, "minute": 33, "second": 14}
